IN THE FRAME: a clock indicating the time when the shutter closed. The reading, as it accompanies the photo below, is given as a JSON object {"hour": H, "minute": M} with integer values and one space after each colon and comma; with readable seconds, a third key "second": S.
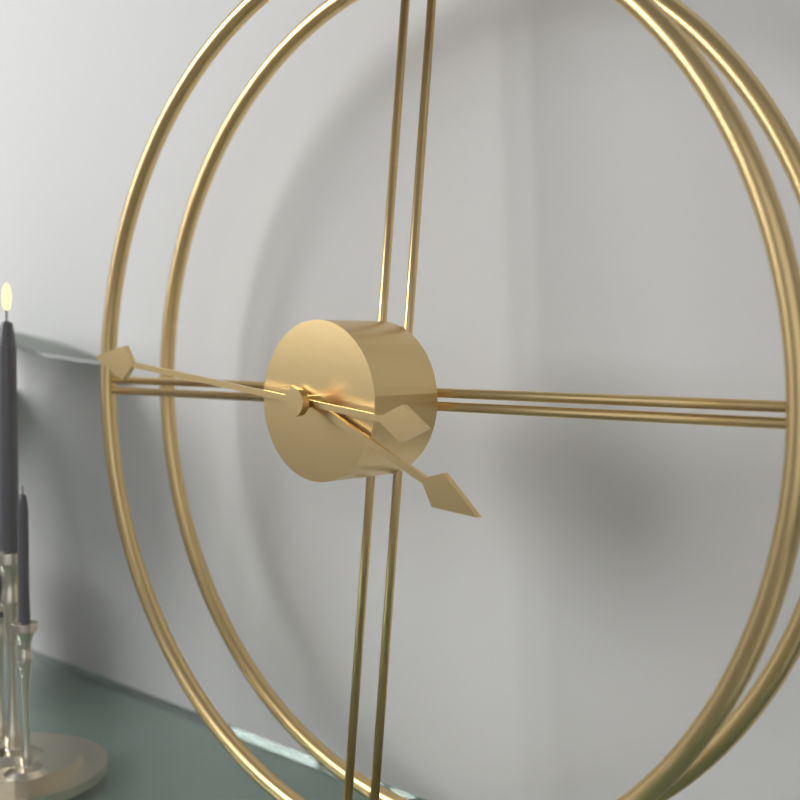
{"hour": 3, "minute": 46}
